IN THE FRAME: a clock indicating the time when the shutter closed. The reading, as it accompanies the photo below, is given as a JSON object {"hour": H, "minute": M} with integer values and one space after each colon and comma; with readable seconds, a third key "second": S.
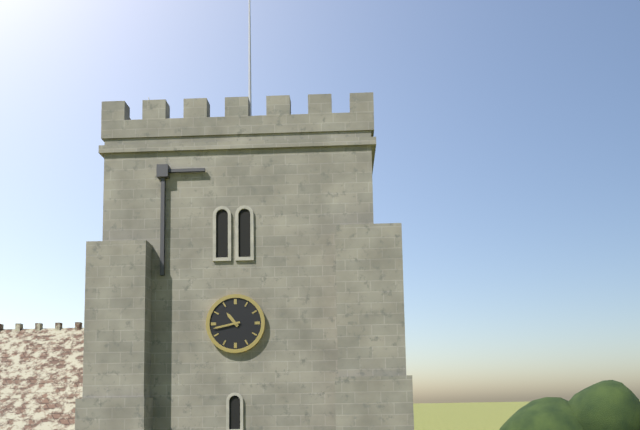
{"hour": 10, "minute": 43}
